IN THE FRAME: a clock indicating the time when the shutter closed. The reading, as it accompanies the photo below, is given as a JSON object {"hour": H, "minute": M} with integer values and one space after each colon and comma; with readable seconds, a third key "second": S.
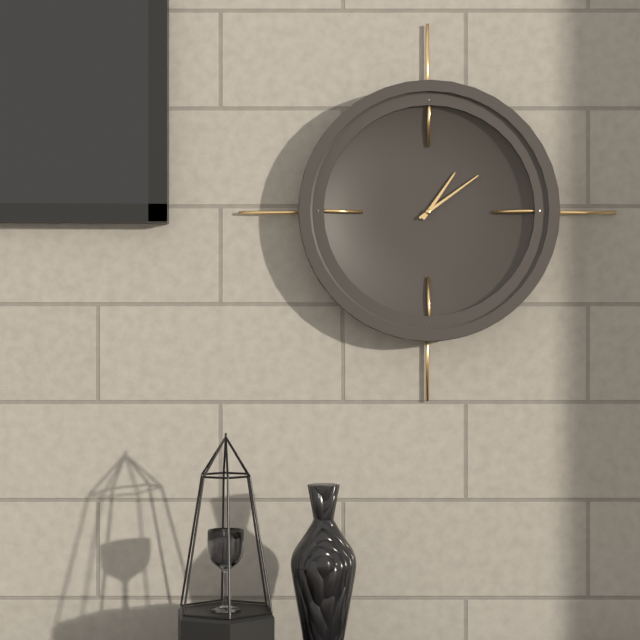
{"hour": 1, "minute": 9}
